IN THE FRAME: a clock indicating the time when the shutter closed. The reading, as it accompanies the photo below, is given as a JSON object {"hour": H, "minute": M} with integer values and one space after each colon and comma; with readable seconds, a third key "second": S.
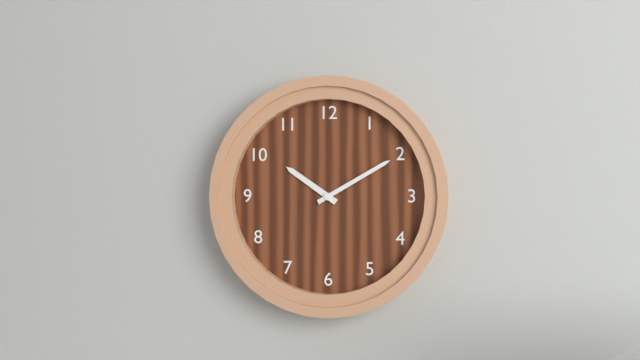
{"hour": 10, "minute": 10}
